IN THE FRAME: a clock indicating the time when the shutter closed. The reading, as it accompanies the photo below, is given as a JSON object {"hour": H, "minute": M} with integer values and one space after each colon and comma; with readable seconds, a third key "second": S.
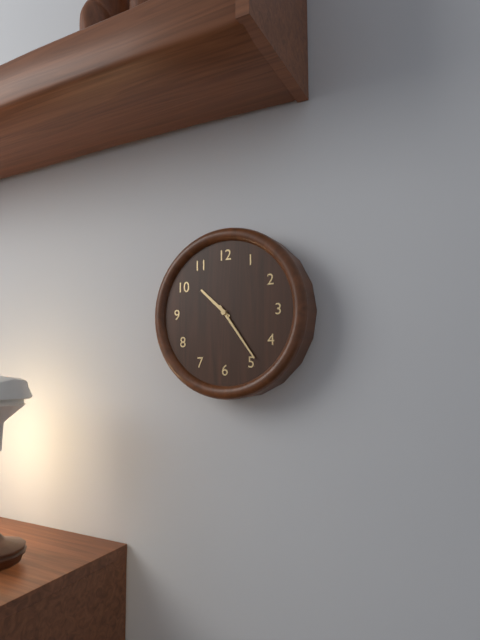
{"hour": 10, "minute": 24}
